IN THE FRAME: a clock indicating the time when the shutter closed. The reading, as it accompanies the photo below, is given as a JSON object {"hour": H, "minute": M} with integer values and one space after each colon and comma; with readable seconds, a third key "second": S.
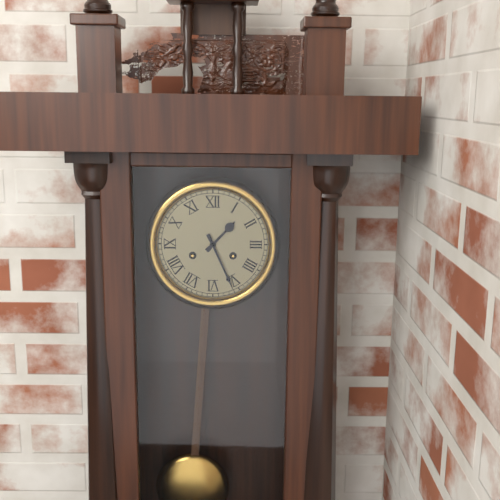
{"hour": 1, "minute": 26}
